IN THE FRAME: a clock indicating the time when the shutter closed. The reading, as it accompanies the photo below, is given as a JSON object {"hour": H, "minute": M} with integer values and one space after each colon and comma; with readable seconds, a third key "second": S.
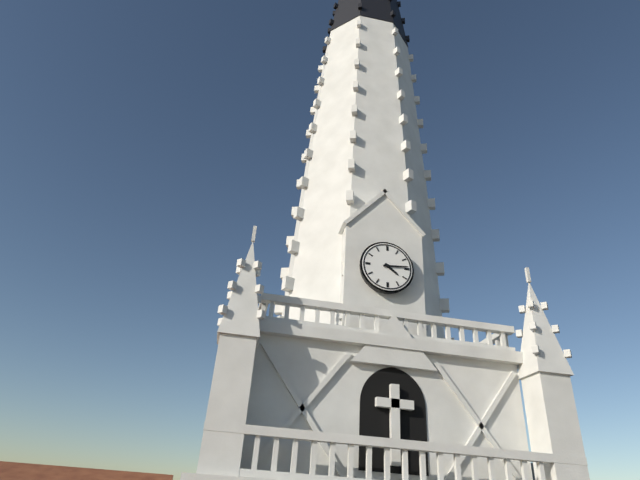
{"hour": 4, "minute": 14}
